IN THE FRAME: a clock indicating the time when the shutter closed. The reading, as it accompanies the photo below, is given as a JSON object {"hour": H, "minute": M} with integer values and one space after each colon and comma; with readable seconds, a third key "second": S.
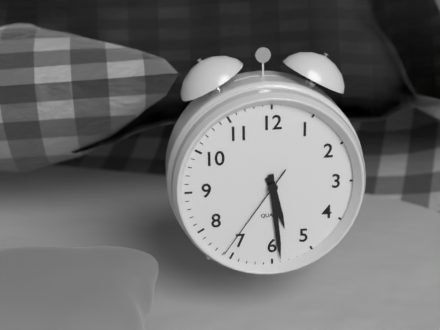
{"hour": 5, "minute": 29, "second": 36}
